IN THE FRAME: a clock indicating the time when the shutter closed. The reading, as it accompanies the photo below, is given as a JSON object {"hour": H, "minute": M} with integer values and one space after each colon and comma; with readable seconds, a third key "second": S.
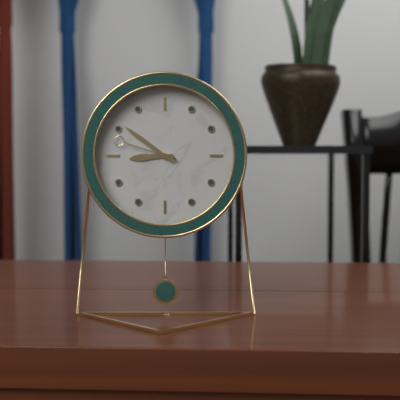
{"hour": 8, "minute": 51, "second": 48}
